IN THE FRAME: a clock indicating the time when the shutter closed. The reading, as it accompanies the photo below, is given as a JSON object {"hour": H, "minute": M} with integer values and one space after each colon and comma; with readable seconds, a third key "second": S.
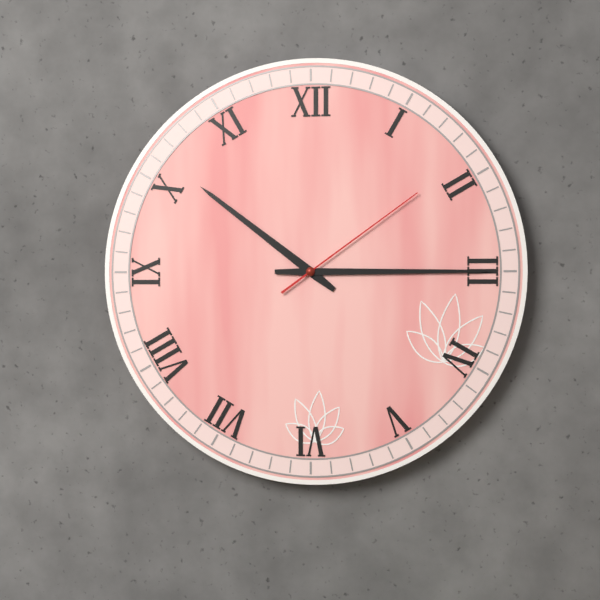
{"hour": 10, "minute": 15, "second": 9}
